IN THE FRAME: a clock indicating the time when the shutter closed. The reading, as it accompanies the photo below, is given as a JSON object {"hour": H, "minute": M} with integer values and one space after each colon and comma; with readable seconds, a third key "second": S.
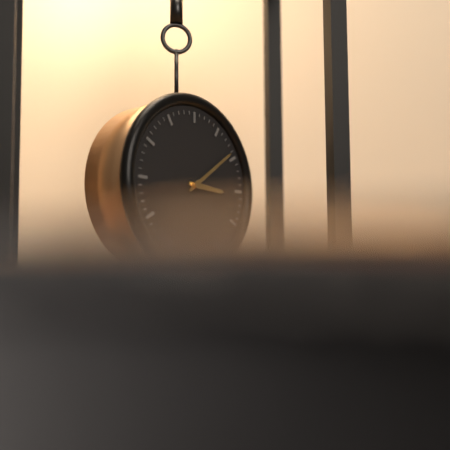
{"hour": 3, "minute": 9}
